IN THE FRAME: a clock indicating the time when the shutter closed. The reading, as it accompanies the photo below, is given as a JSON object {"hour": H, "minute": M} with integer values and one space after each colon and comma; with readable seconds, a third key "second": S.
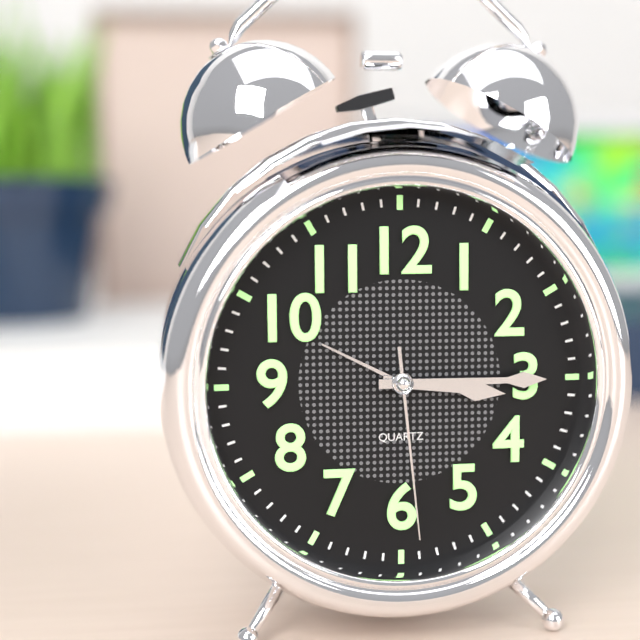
{"hour": 3, "minute": 15, "second": 29}
